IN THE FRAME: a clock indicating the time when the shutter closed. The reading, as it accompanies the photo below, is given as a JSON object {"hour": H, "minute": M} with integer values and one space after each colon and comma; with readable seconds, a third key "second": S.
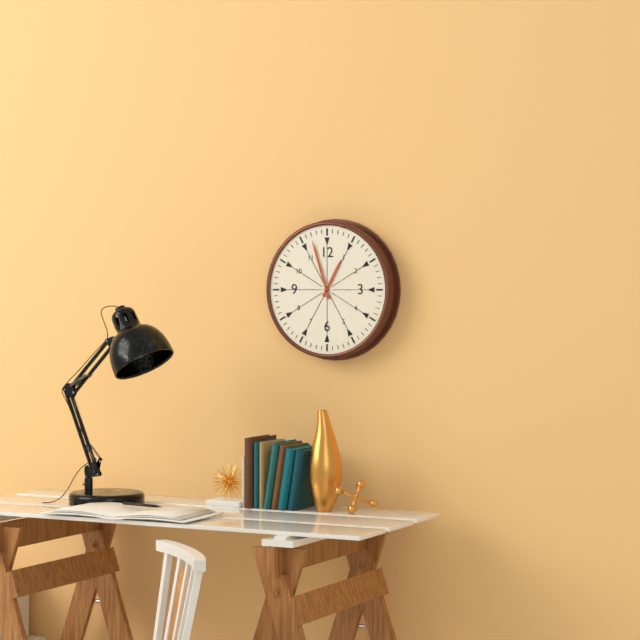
{"hour": 12, "minute": 57}
